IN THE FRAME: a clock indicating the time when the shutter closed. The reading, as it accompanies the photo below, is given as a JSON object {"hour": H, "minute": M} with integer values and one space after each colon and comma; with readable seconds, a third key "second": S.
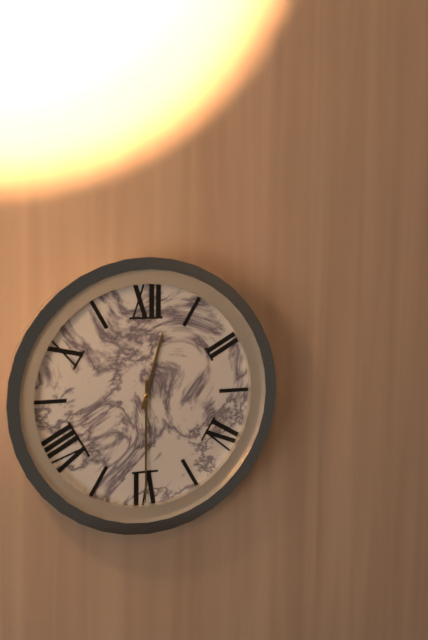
{"hour": 12, "minute": 30}
